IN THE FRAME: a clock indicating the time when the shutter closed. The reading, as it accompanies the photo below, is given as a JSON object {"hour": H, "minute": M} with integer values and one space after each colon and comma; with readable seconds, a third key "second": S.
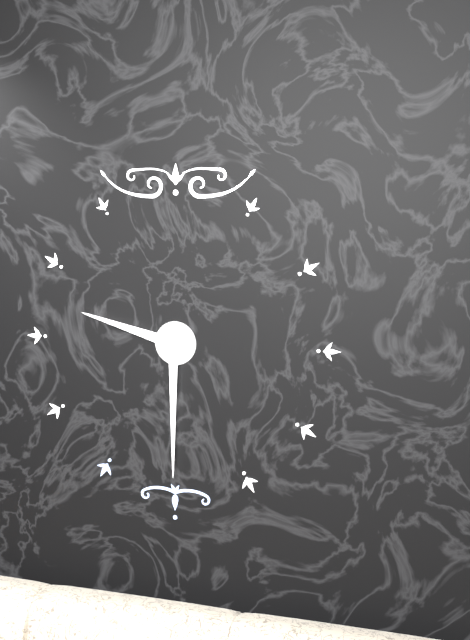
{"hour": 9, "minute": 30}
